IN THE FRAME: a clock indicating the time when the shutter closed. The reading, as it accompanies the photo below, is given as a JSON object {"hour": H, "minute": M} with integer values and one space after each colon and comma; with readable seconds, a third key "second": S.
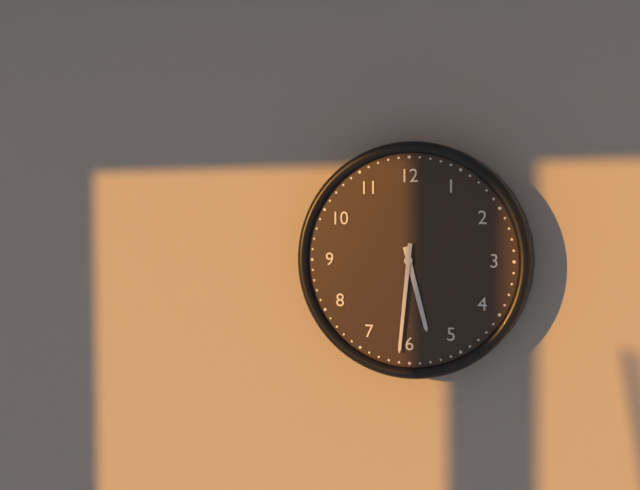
{"hour": 5, "minute": 31}
